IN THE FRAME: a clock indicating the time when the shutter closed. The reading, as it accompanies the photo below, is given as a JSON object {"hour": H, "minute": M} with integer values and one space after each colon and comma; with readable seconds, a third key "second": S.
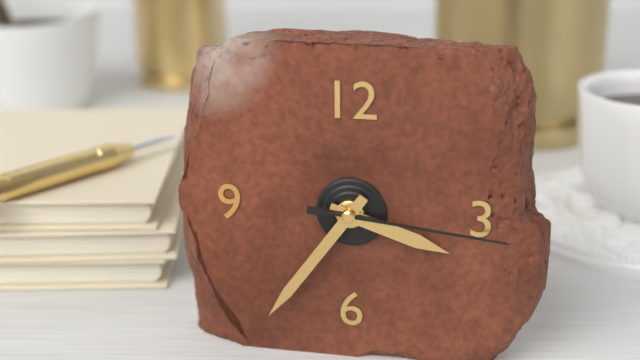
{"hour": 3, "minute": 36, "second": 16}
